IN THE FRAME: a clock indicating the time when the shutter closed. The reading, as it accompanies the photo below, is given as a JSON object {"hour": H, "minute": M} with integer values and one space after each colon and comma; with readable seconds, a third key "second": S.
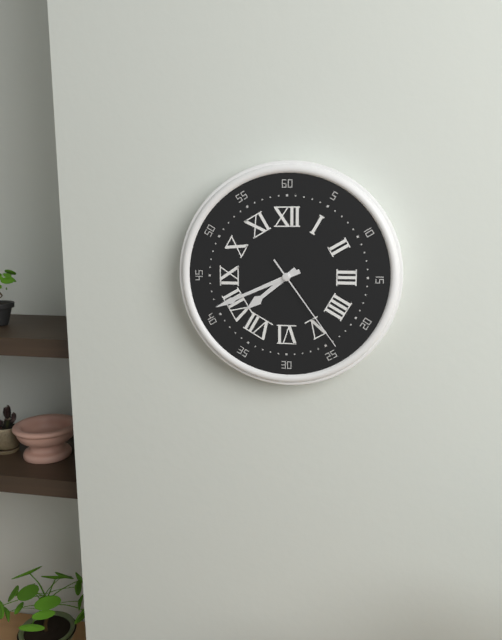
{"hour": 7, "minute": 41, "second": 24}
